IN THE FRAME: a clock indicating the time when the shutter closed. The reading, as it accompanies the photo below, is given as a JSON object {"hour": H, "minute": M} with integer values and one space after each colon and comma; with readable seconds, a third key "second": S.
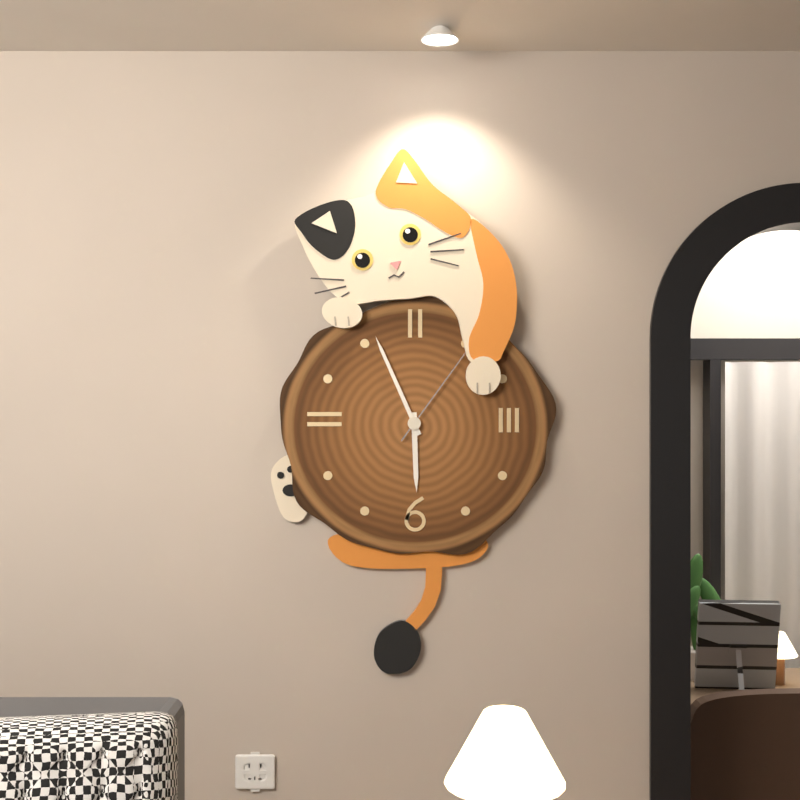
{"hour": 5, "minute": 56, "second": 6}
